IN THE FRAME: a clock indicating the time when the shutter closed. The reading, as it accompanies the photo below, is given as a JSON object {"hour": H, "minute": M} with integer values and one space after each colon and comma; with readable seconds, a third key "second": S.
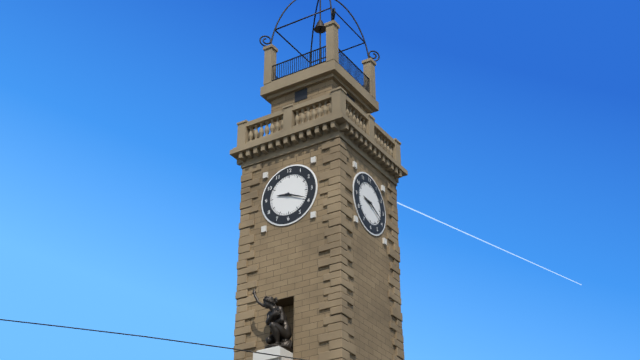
{"hour": 9, "minute": 19}
